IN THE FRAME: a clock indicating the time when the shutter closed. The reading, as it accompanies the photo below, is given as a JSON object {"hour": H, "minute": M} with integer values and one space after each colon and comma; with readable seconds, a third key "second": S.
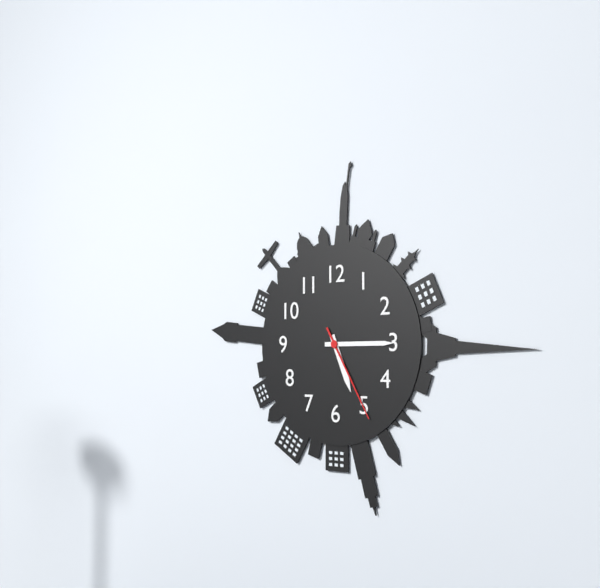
{"hour": 5, "minute": 15, "second": 25}
